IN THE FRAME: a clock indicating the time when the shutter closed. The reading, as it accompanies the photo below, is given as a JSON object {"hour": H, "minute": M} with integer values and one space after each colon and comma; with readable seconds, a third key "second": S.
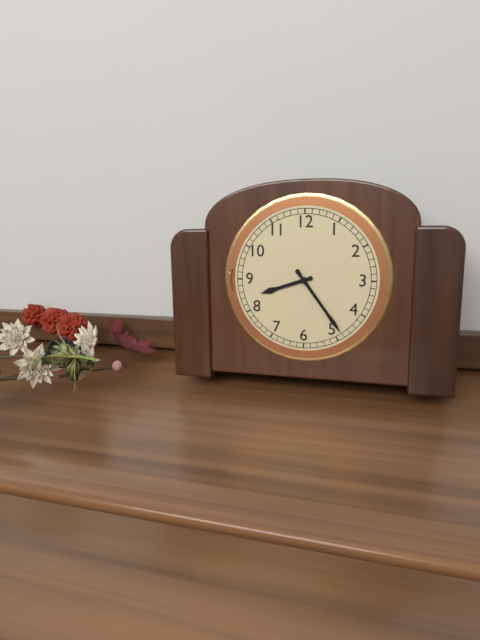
{"hour": 8, "minute": 24}
